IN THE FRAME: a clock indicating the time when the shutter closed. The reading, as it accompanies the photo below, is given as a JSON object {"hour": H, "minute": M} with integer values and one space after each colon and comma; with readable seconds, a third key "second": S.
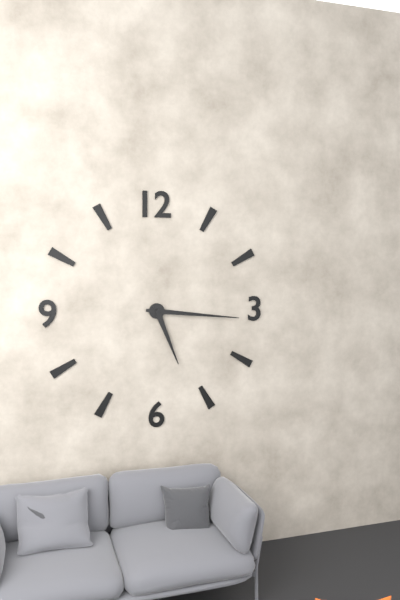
{"hour": 5, "minute": 16}
